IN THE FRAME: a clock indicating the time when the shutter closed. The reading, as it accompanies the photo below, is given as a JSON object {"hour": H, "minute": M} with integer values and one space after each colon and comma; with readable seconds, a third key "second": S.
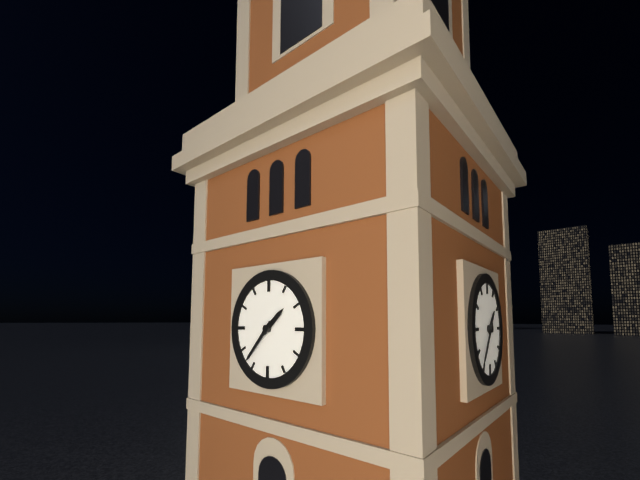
{"hour": 1, "minute": 37}
